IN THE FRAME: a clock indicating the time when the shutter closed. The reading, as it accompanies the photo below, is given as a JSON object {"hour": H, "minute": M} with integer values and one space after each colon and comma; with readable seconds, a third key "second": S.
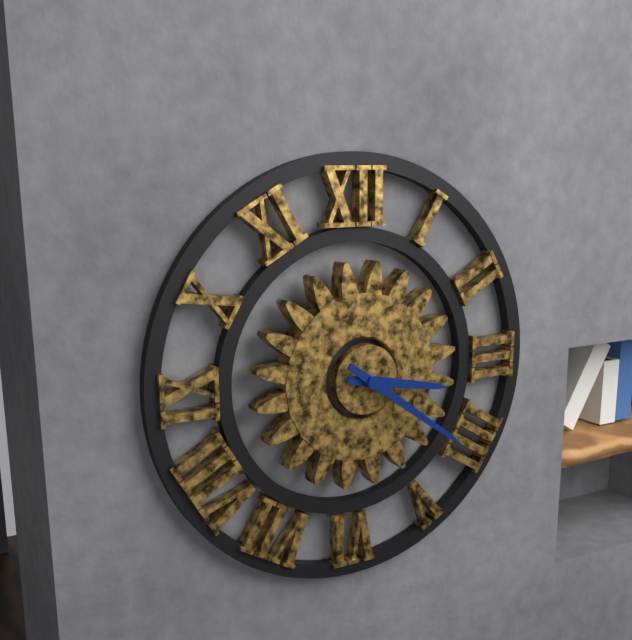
{"hour": 3, "minute": 21}
